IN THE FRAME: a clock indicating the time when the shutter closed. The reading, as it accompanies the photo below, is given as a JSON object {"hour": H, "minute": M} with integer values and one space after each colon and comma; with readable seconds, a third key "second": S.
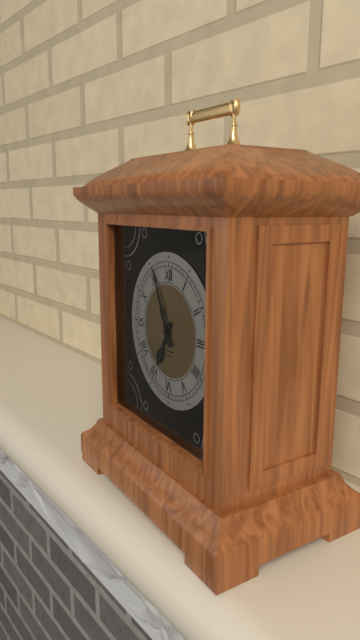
{"hour": 6, "minute": 56}
